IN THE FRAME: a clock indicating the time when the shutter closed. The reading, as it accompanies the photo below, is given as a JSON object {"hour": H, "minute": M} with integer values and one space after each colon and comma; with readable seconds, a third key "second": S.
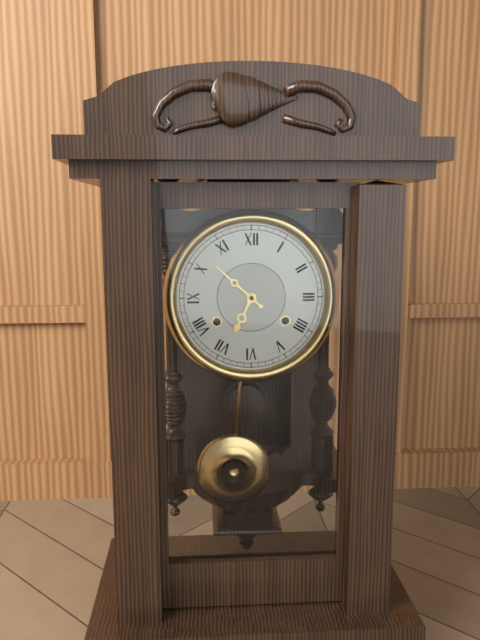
{"hour": 6, "minute": 52}
